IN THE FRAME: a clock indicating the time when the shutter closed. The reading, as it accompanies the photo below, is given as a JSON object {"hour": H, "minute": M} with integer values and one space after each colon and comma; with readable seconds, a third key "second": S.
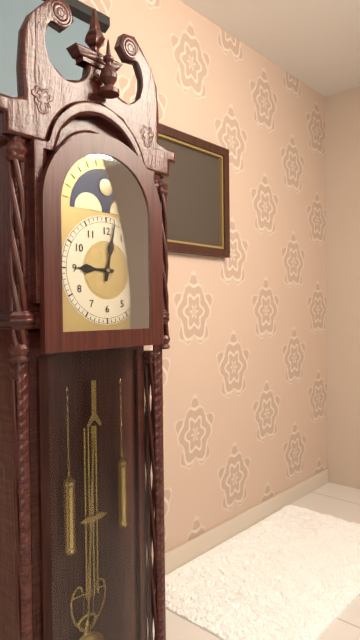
{"hour": 9, "minute": 2}
